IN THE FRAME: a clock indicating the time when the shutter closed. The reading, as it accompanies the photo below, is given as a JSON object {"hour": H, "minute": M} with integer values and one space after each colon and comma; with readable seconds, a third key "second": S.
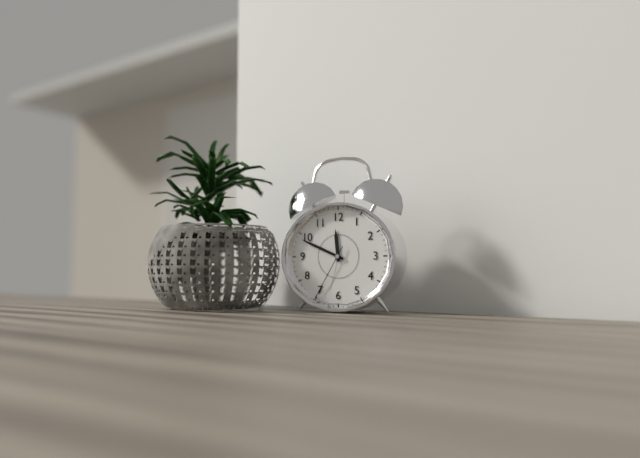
{"hour": 11, "minute": 49, "second": 35}
